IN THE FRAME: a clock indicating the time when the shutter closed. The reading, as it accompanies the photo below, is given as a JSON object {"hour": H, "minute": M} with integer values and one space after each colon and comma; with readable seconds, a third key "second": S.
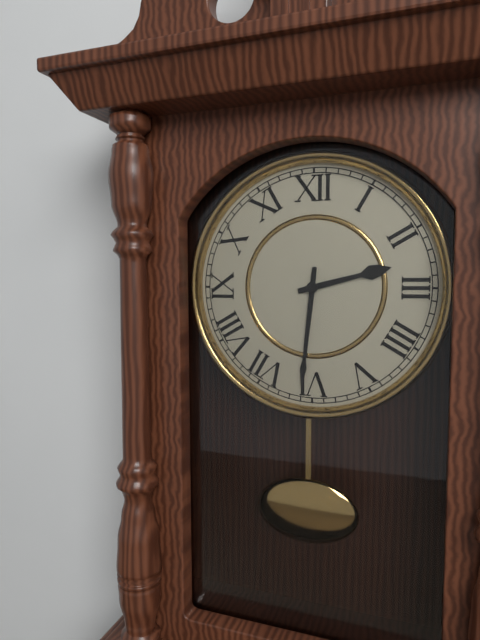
{"hour": 2, "minute": 31}
